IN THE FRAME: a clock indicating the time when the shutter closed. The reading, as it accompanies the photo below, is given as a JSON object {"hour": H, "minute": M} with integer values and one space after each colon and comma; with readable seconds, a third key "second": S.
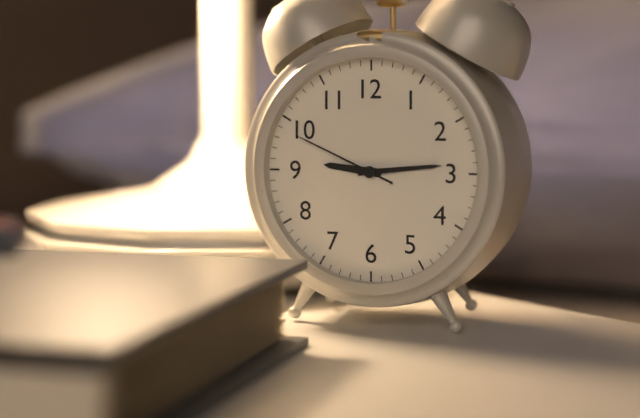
{"hour": 9, "minute": 14, "second": 49}
